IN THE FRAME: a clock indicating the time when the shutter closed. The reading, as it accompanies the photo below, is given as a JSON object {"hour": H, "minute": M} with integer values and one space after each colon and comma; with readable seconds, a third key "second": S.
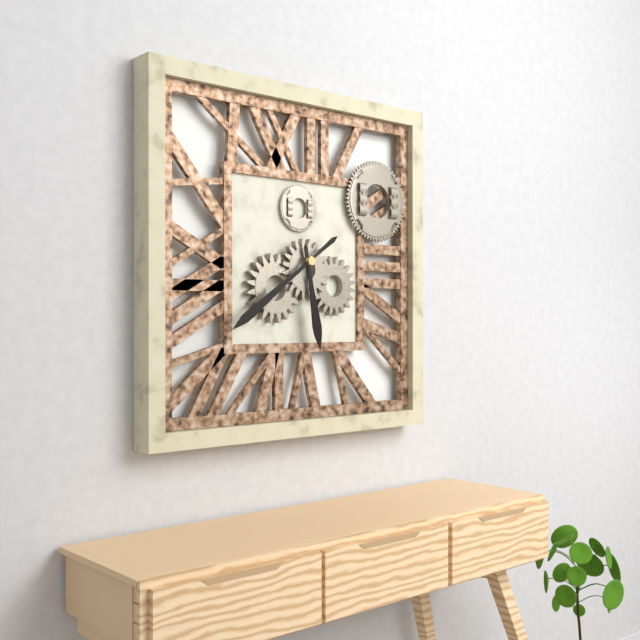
{"hour": 5, "minute": 39}
